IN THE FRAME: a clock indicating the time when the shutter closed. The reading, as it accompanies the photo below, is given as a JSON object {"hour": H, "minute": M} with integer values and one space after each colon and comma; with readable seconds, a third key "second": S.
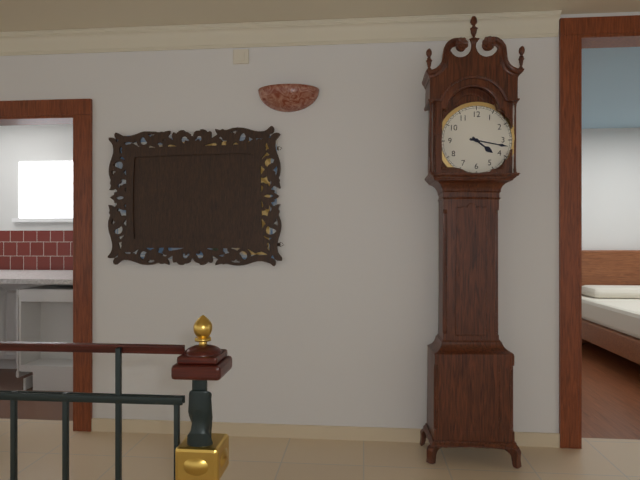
{"hour": 4, "minute": 17}
